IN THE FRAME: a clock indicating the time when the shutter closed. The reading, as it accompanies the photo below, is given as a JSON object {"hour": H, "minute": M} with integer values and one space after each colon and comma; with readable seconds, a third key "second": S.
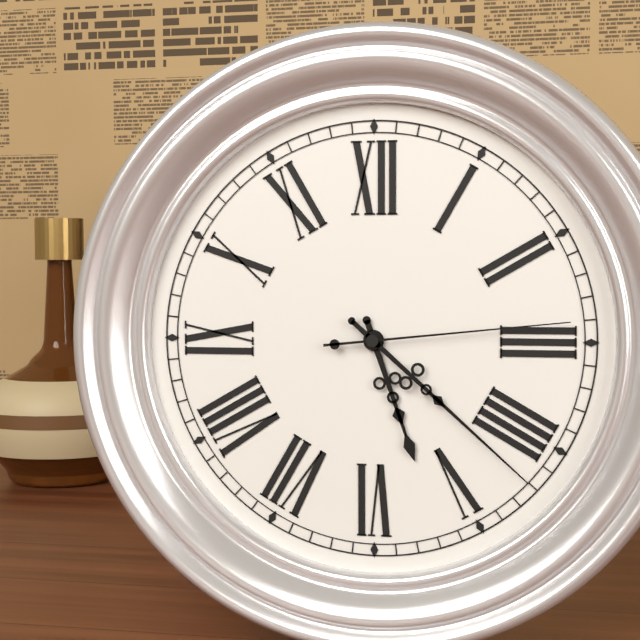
{"hour": 5, "minute": 22, "second": 14}
